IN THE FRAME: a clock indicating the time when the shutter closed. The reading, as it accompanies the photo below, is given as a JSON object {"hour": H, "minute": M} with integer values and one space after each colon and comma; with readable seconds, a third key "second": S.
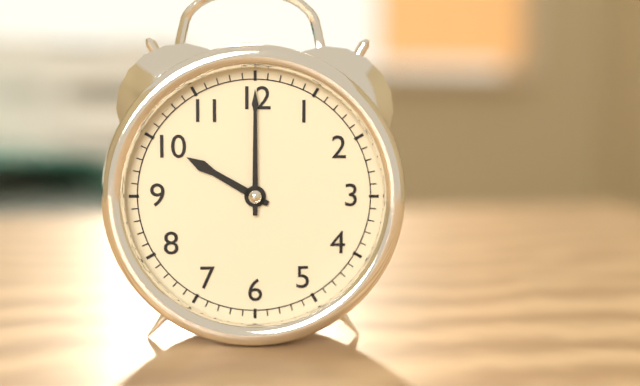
{"hour": 10, "minute": 0}
